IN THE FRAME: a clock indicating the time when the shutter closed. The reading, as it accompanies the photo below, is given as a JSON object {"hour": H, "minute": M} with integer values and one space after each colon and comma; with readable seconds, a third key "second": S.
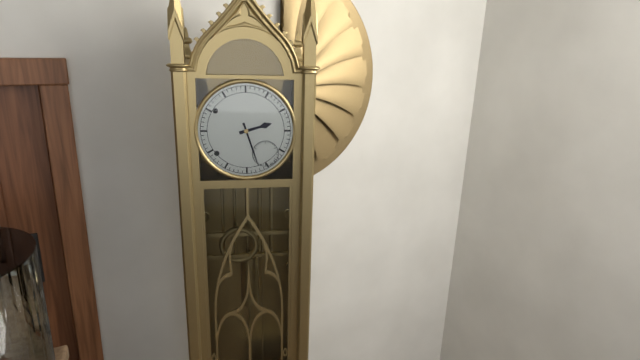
{"hour": 2, "minute": 27}
